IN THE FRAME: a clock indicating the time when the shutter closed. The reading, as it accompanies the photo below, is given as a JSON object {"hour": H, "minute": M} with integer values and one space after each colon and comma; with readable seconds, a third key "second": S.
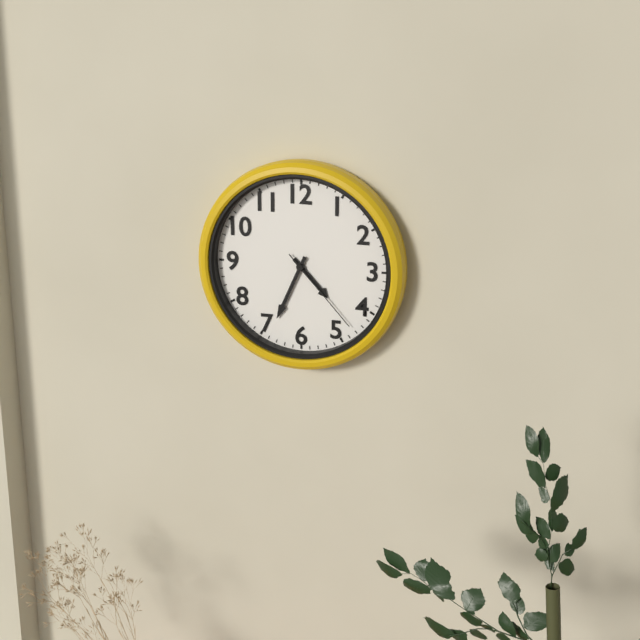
{"hour": 4, "minute": 34, "second": 23}
